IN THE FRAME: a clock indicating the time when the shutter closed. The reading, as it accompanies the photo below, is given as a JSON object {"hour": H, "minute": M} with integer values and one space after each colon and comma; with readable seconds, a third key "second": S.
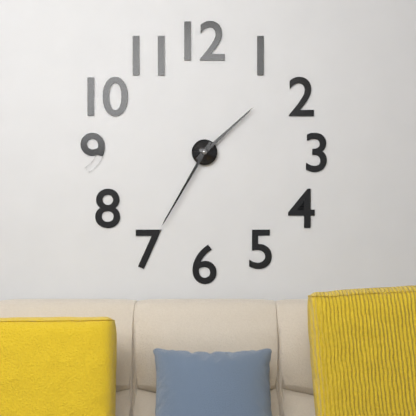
{"hour": 1, "minute": 35}
